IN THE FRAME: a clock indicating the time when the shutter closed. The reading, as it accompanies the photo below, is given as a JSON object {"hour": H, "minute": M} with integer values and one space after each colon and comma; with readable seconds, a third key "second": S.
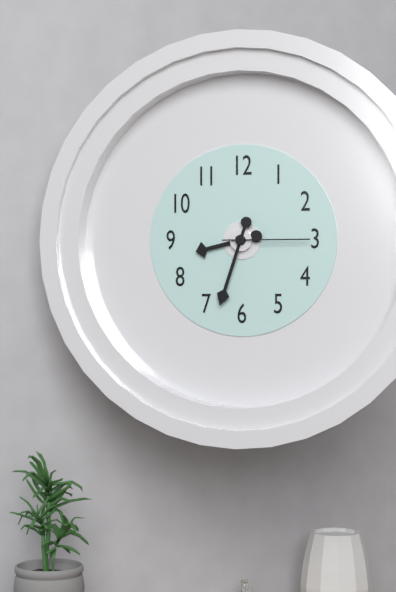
{"hour": 8, "minute": 33, "second": 15}
